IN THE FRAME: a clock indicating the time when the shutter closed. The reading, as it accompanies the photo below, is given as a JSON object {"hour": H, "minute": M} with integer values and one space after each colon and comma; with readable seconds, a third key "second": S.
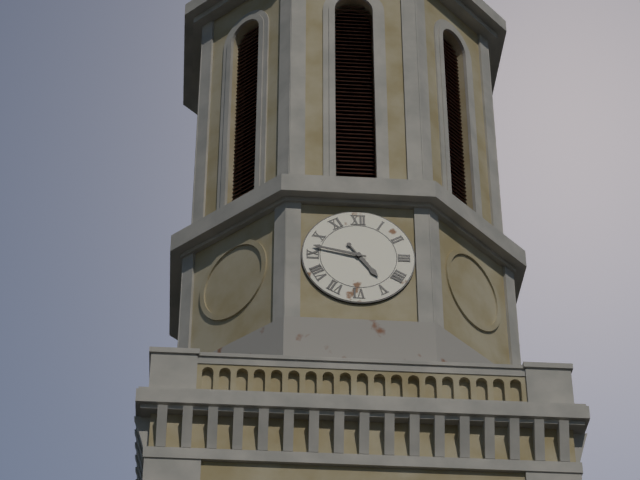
{"hour": 4, "minute": 47}
